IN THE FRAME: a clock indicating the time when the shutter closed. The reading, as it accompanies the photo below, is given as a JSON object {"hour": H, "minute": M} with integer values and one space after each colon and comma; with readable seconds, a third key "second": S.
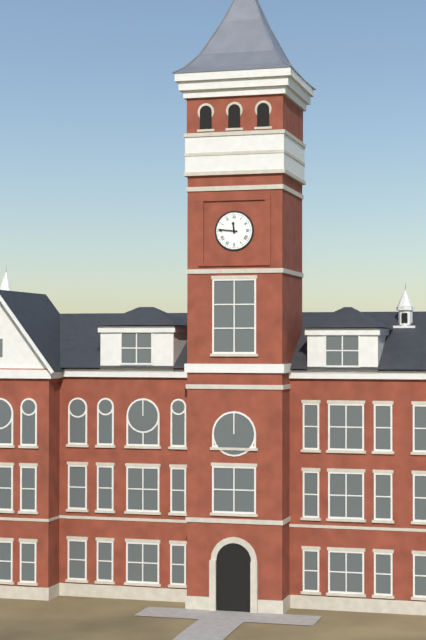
{"hour": 11, "minute": 46}
